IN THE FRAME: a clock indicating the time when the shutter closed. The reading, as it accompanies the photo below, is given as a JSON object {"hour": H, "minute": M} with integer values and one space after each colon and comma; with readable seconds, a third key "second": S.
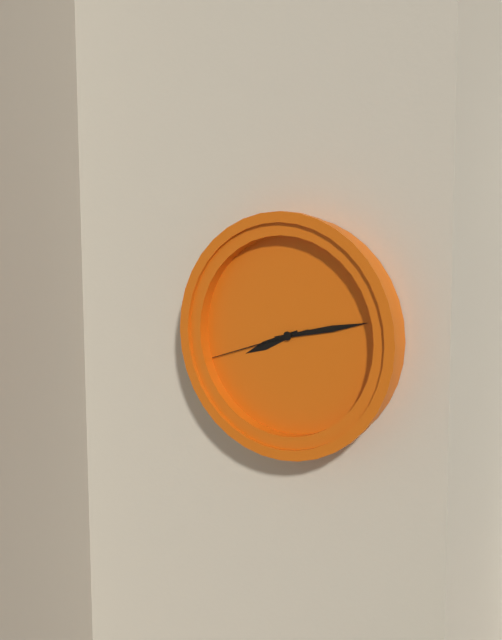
{"hour": 8, "minute": 13, "second": 42}
